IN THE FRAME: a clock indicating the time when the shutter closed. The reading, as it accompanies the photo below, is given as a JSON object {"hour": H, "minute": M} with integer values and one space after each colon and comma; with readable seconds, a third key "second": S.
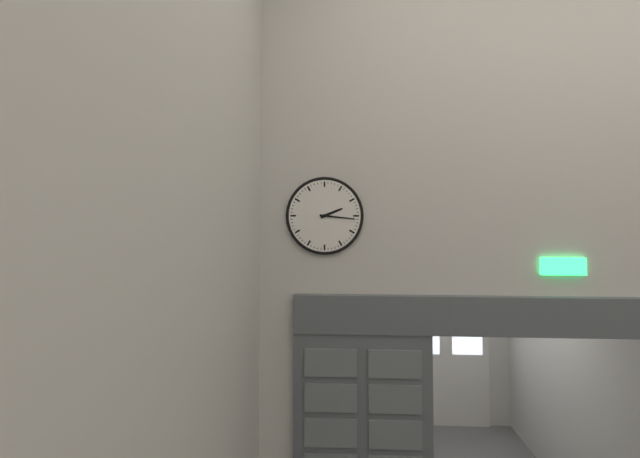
{"hour": 2, "minute": 16}
